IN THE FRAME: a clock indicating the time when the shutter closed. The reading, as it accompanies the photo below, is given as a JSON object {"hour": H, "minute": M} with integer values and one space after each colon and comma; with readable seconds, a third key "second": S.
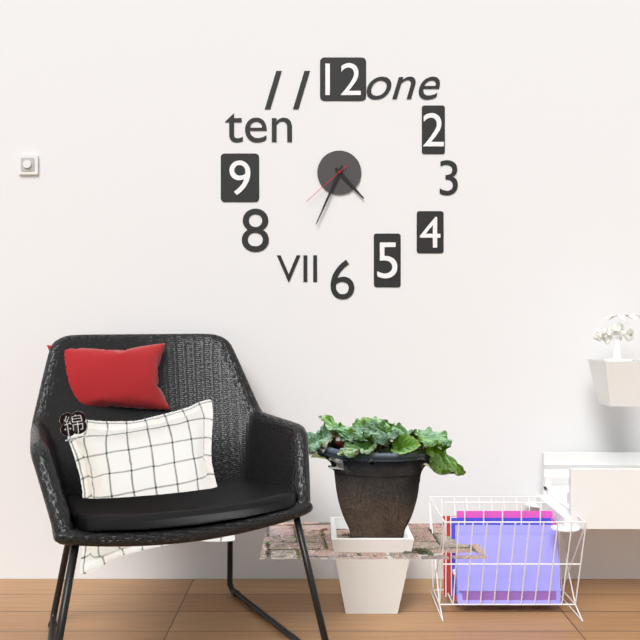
{"hour": 4, "minute": 34, "second": 38}
